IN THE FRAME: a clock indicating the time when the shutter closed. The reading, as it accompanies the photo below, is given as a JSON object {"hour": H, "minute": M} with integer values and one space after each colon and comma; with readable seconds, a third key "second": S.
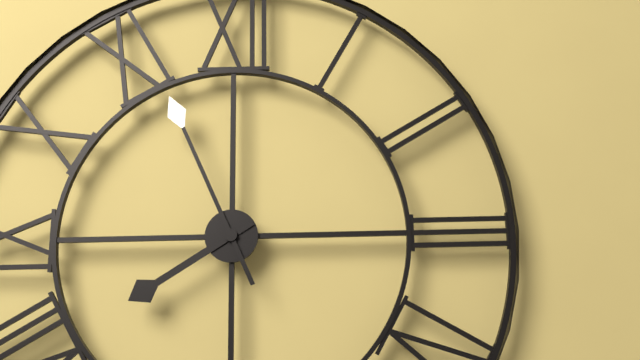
{"hour": 7, "minute": 56}
